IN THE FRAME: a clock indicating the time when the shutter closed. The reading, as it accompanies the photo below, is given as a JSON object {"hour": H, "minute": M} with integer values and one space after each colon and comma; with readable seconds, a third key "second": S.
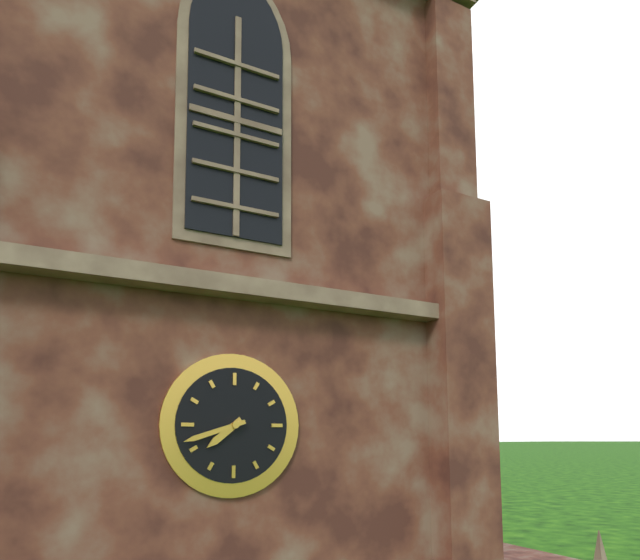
{"hour": 7, "minute": 42}
